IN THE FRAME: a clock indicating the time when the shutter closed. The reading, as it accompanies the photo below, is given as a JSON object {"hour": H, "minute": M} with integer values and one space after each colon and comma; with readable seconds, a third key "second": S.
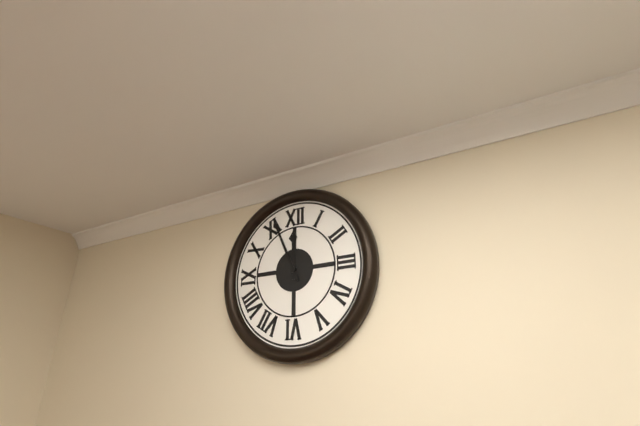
{"hour": 11, "minute": 56}
